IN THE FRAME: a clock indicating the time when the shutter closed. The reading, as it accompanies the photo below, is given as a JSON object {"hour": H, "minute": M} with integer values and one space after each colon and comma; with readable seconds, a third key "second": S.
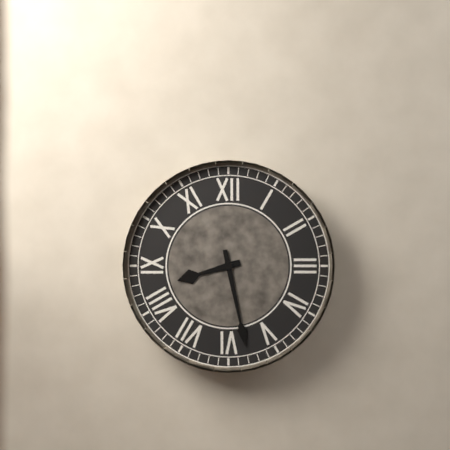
{"hour": 8, "minute": 28}
